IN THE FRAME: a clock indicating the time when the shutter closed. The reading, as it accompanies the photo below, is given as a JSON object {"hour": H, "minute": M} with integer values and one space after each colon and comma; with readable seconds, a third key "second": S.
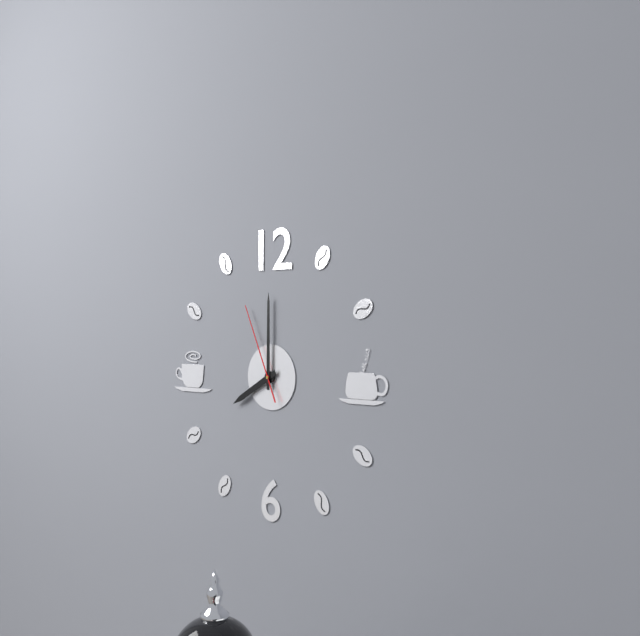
{"hour": 8, "minute": 0, "second": 56}
